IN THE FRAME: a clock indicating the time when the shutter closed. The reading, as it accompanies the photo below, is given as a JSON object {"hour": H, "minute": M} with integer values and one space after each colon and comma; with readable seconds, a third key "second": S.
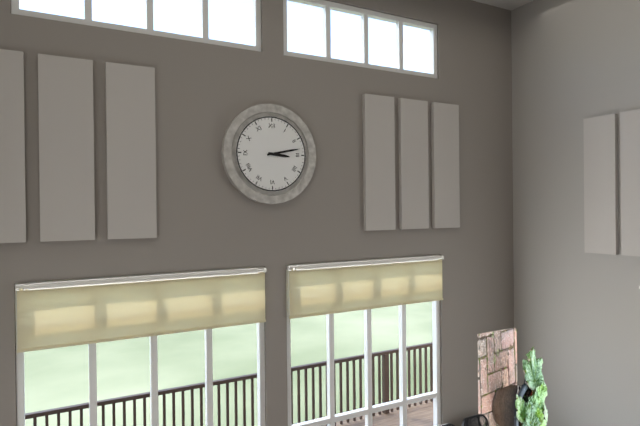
{"hour": 3, "minute": 13}
